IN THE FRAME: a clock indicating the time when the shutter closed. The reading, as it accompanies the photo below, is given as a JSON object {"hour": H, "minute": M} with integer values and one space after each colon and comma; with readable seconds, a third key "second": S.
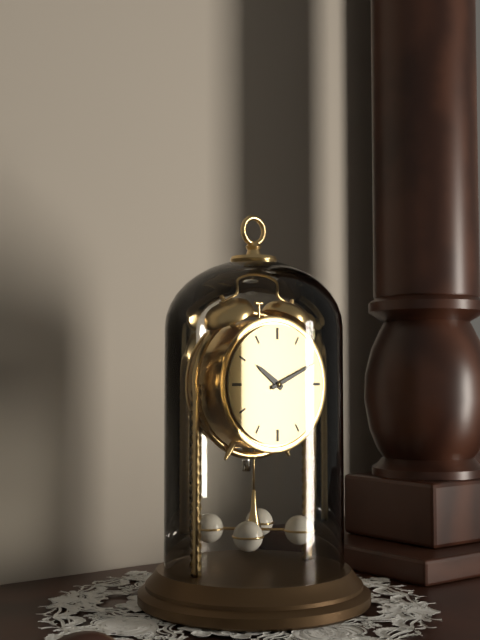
{"hour": 10, "minute": 11}
